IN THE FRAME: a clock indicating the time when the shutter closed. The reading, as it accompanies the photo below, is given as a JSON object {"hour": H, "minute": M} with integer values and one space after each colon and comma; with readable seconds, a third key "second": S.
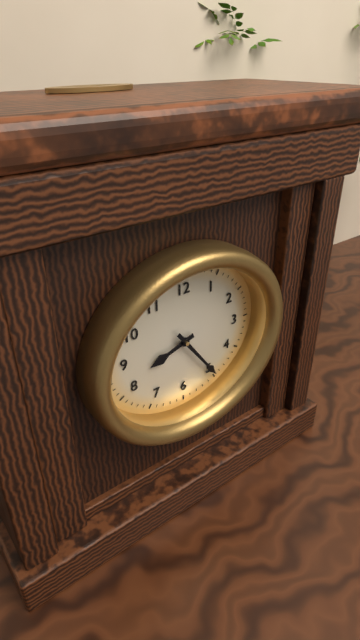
{"hour": 8, "minute": 24}
